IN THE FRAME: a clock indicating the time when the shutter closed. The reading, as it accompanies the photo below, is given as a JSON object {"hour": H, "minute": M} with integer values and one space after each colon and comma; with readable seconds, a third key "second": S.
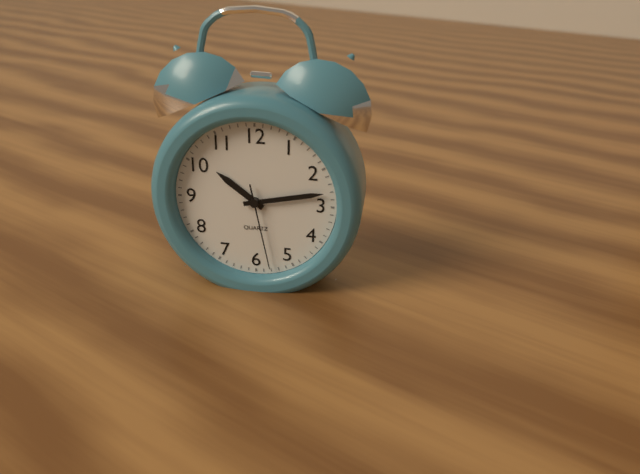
{"hour": 10, "minute": 13, "second": 28}
